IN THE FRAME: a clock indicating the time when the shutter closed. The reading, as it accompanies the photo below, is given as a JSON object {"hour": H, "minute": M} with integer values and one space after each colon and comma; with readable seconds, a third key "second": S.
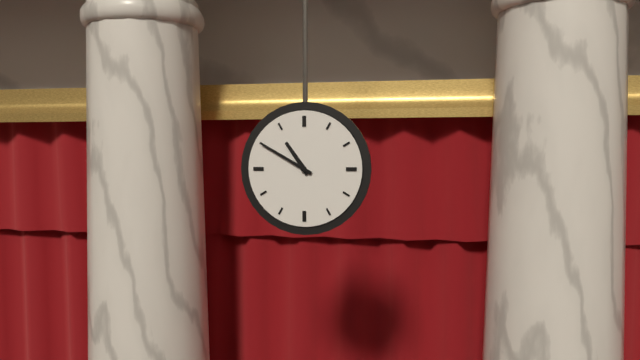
{"hour": 10, "minute": 50}
